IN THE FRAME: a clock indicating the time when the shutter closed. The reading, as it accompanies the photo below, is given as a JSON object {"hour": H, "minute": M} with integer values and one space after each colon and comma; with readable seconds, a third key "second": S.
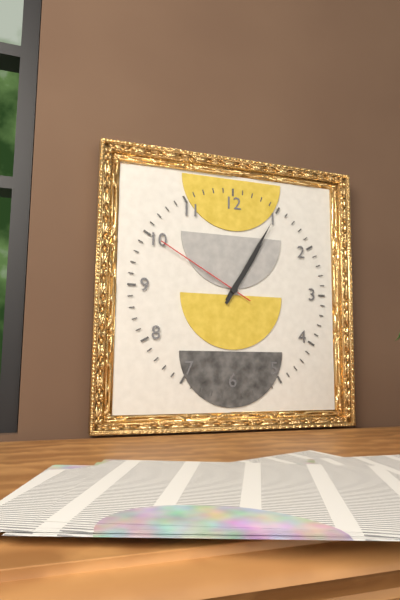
{"hour": 1, "minute": 5, "second": 50}
